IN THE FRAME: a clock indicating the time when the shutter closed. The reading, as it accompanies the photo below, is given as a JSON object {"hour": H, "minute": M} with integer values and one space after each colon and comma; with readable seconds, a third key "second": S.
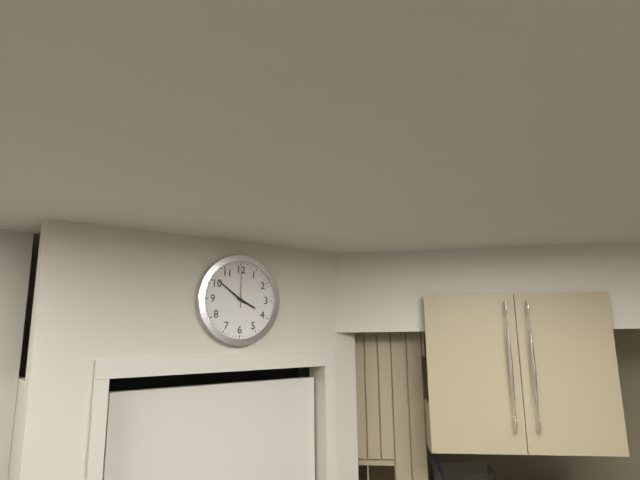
{"hour": 3, "minute": 51}
